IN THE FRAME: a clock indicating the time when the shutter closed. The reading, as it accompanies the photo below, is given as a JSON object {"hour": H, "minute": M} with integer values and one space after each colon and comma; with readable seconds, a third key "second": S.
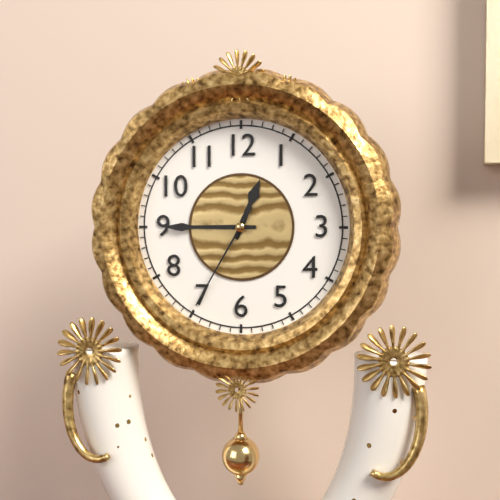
{"hour": 12, "minute": 45, "second": 35}
